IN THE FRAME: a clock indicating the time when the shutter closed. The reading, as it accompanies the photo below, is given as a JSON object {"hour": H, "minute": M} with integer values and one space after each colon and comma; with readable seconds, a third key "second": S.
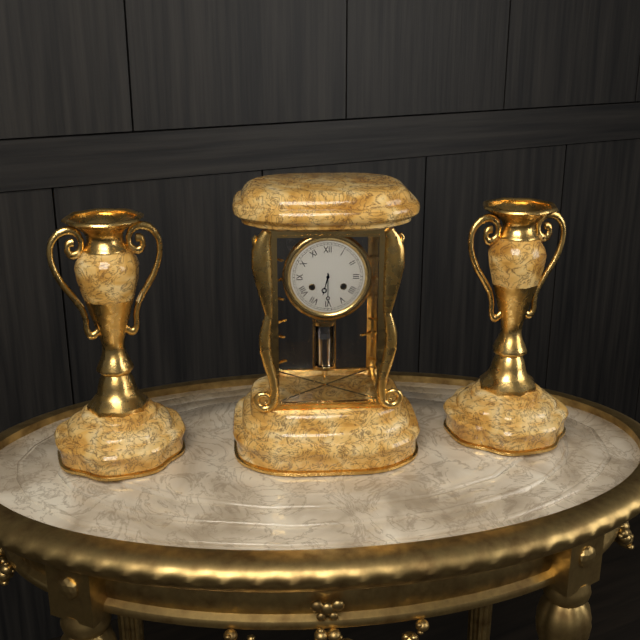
{"hour": 6, "minute": 30}
